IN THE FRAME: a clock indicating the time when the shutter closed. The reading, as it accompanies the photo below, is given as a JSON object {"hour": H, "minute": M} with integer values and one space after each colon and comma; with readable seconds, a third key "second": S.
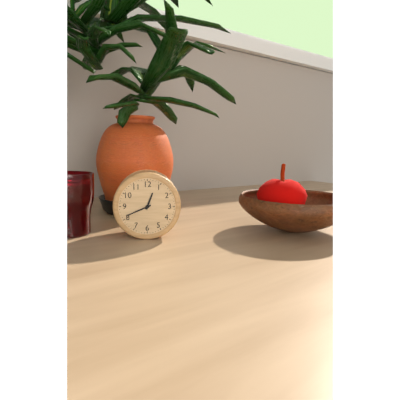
{"hour": 12, "minute": 41}
